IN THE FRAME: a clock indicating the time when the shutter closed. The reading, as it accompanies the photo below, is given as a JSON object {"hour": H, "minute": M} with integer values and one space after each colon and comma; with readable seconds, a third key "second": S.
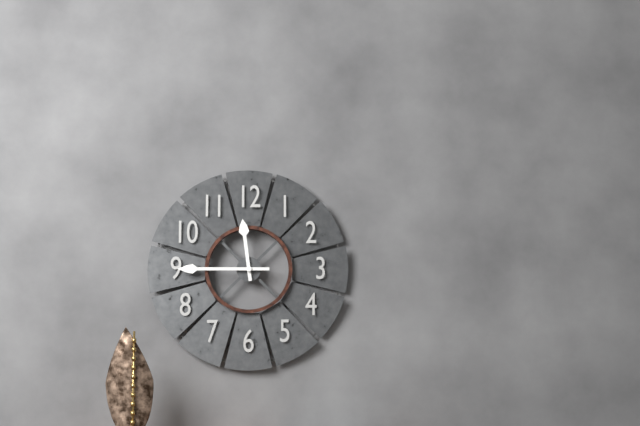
{"hour": 11, "minute": 45}
